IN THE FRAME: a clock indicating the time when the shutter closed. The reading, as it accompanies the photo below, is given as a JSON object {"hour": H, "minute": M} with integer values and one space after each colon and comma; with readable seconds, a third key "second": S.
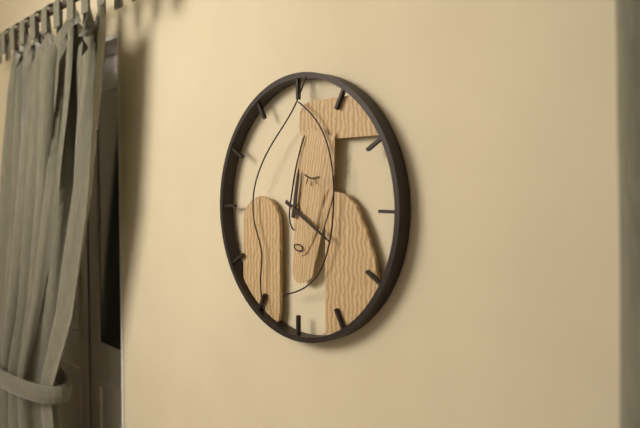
{"hour": 12, "minute": 20}
